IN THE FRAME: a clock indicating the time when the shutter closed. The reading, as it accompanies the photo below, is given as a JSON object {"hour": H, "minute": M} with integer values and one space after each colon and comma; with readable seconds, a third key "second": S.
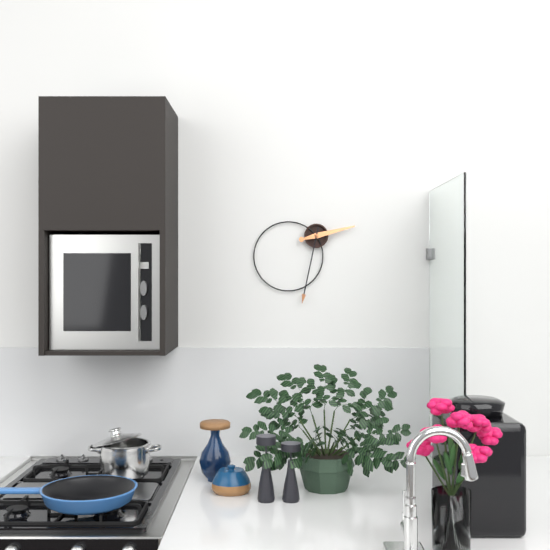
{"hour": 2, "minute": 32}
